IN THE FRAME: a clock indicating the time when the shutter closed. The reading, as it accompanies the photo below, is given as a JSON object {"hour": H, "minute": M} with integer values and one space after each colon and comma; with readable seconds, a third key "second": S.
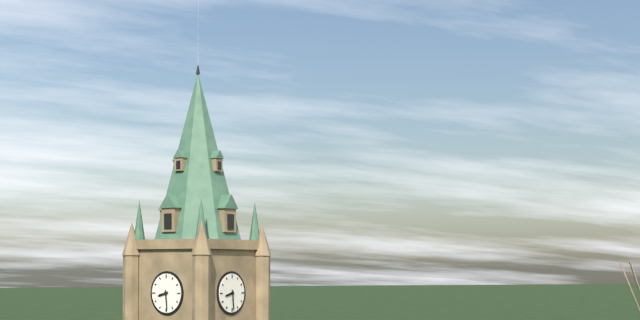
{"hour": 8, "minute": 29}
